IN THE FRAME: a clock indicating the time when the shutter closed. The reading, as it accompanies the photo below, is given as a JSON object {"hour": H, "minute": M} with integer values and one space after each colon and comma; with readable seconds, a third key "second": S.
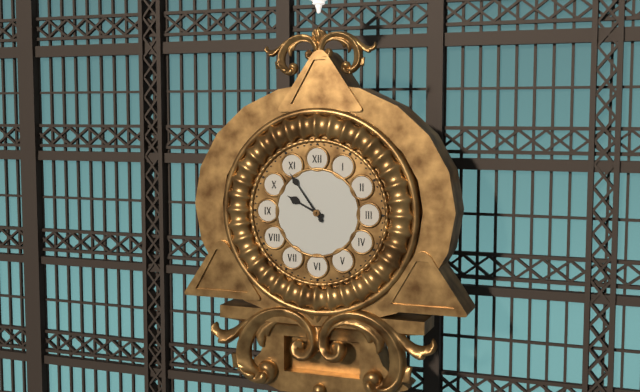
{"hour": 9, "minute": 54}
